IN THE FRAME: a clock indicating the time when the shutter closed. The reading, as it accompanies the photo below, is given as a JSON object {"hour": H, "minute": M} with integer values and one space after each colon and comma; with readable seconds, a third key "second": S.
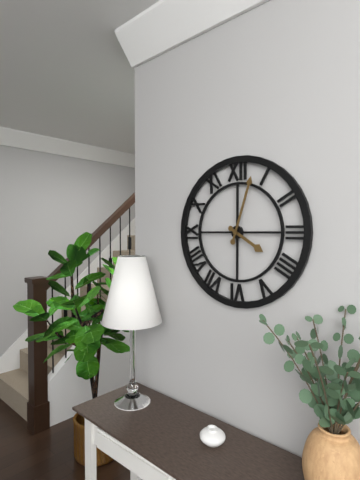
{"hour": 4, "minute": 3}
